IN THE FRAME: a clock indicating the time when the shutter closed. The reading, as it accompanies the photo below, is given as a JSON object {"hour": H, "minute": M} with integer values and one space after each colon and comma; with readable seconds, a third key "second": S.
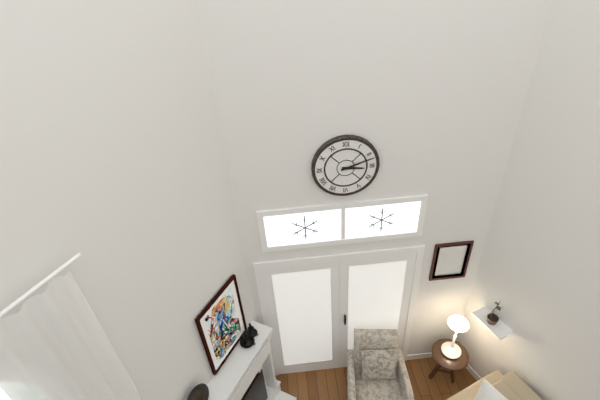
{"hour": 3, "minute": 12}
